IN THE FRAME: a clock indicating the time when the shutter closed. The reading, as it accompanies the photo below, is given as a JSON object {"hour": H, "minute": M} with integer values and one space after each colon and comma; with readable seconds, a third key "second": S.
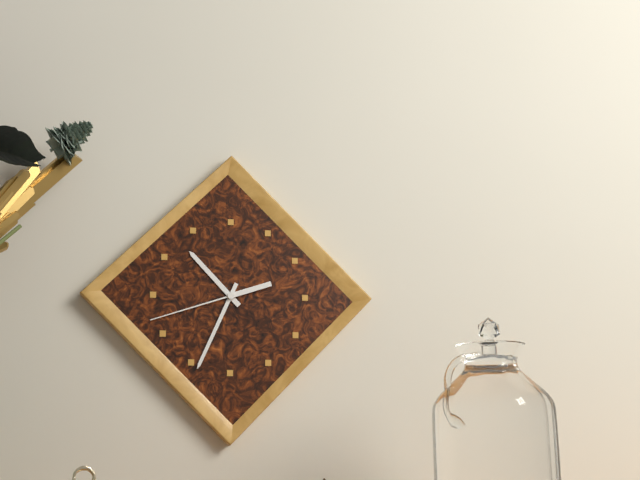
{"hour": 10, "minute": 34, "second": 42}
